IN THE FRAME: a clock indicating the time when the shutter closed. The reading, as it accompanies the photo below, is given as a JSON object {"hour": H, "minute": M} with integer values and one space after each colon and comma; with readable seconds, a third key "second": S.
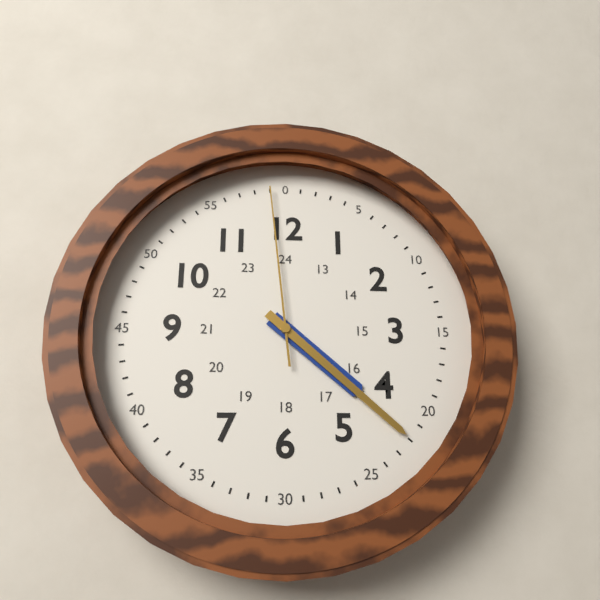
{"hour": 4, "minute": 22, "second": 59}
